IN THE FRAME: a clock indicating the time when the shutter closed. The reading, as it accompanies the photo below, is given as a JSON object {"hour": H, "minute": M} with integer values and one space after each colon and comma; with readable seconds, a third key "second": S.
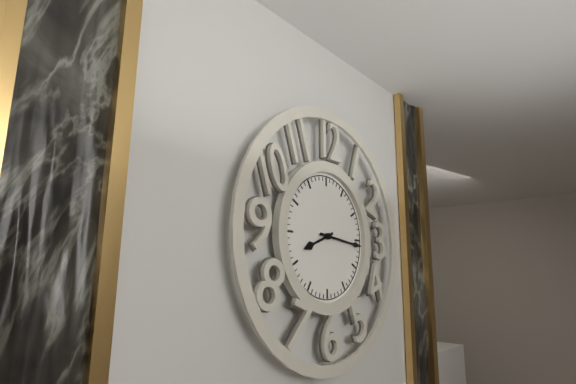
{"hour": 8, "minute": 16}
